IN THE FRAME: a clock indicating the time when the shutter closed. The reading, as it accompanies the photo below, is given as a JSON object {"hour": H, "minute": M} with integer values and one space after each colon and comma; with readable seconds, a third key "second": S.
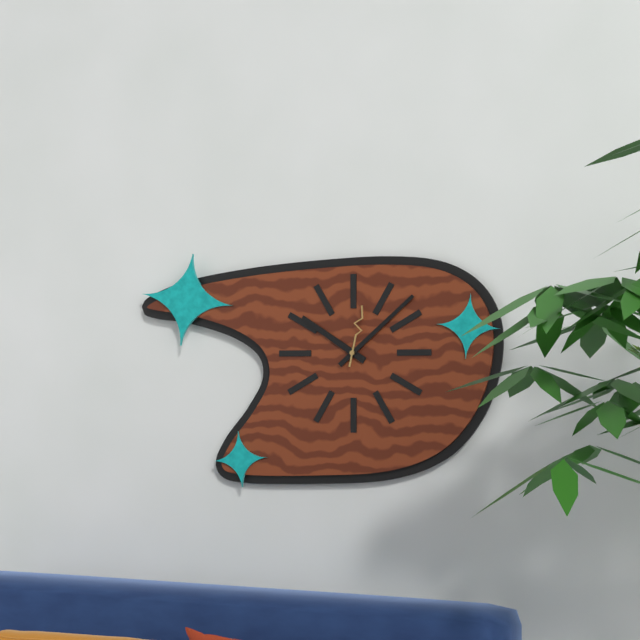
{"hour": 10, "minute": 8, "second": 2}
